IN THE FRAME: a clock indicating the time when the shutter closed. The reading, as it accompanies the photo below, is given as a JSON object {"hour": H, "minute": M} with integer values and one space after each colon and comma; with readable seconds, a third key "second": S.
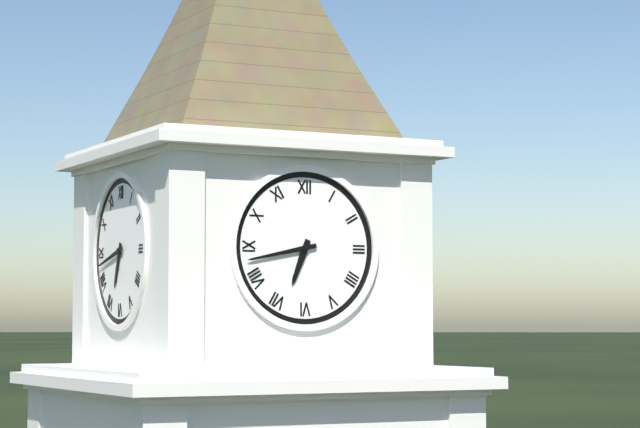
{"hour": 6, "minute": 43}
